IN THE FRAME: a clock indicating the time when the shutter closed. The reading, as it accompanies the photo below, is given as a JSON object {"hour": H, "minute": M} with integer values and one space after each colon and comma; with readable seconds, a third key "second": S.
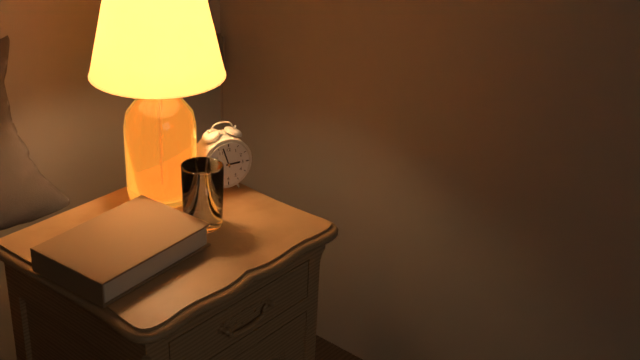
{"hour": 2, "minute": 57}
